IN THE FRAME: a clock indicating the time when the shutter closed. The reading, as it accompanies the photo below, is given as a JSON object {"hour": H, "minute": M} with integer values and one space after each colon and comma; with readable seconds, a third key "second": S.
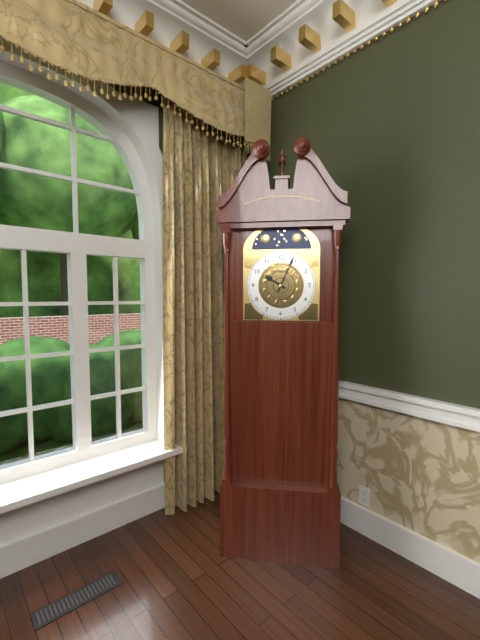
{"hour": 10, "minute": 4}
